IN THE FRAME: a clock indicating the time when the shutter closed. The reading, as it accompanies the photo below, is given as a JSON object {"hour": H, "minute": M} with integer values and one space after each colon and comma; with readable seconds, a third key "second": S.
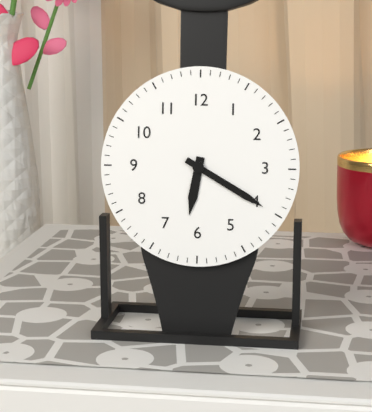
{"hour": 6, "minute": 20}
